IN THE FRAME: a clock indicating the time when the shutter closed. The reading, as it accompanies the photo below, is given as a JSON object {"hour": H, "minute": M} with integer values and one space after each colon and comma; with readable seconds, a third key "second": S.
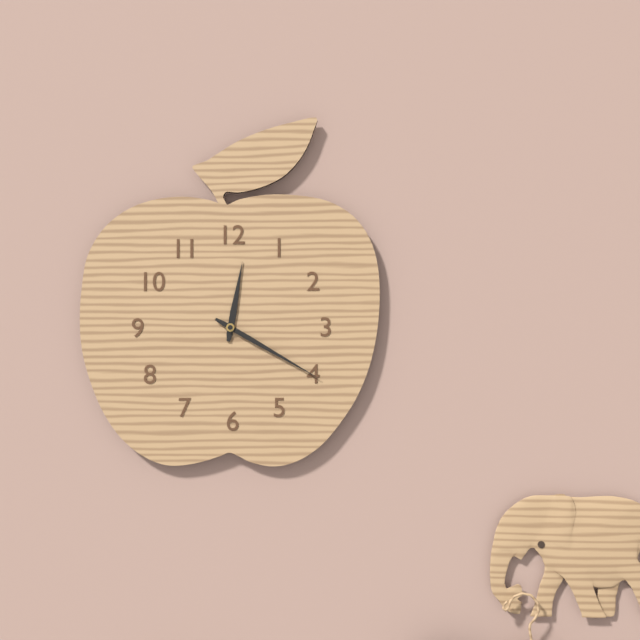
{"hour": 12, "minute": 20}
